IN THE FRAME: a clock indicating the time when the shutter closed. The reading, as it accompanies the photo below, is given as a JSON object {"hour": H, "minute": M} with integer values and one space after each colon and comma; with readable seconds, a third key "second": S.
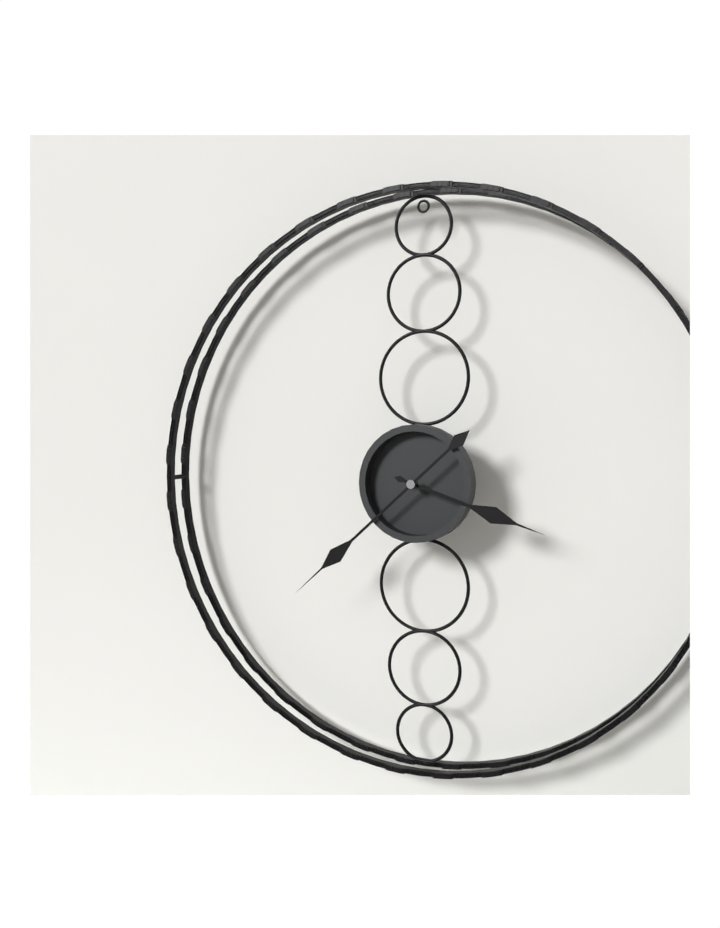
{"hour": 3, "minute": 38}
